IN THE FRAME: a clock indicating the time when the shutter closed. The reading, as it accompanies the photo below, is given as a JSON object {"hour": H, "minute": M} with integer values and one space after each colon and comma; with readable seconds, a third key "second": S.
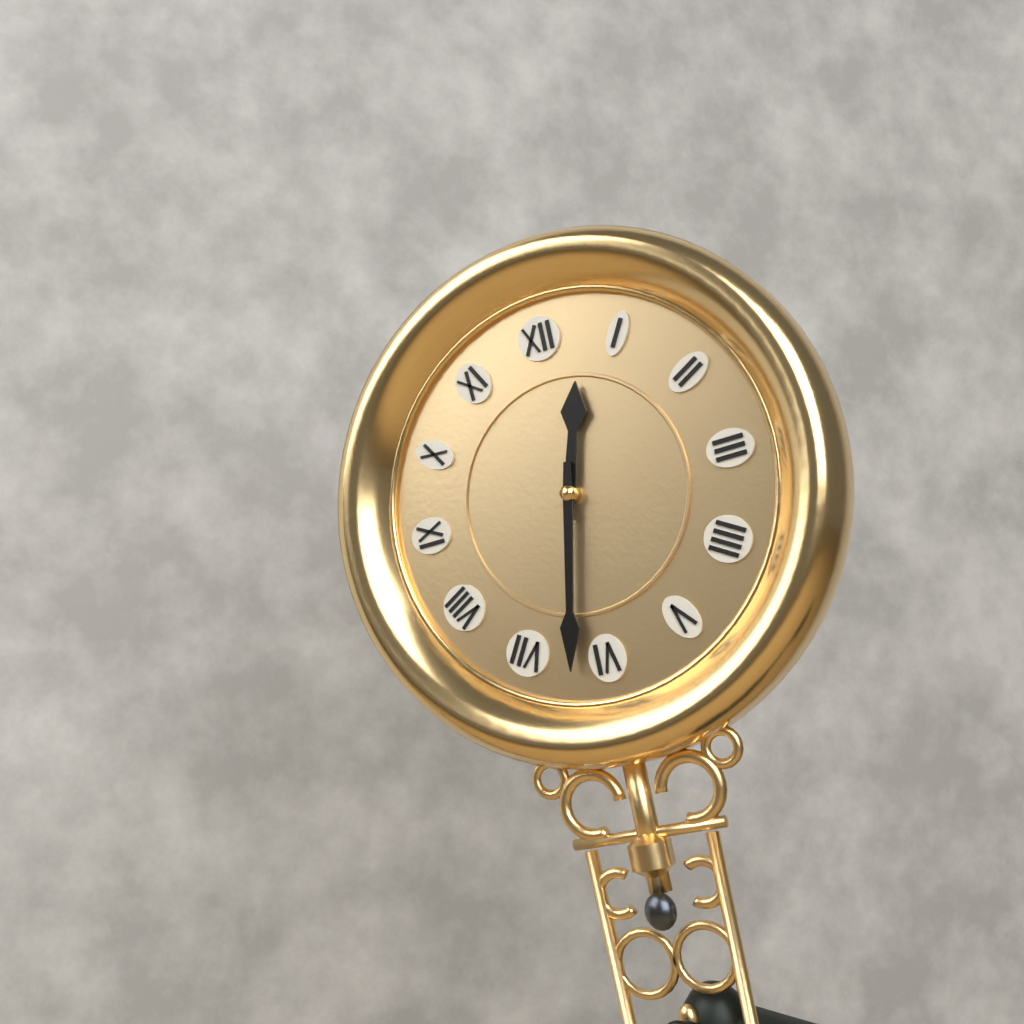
{"hour": 12, "minute": 32}
